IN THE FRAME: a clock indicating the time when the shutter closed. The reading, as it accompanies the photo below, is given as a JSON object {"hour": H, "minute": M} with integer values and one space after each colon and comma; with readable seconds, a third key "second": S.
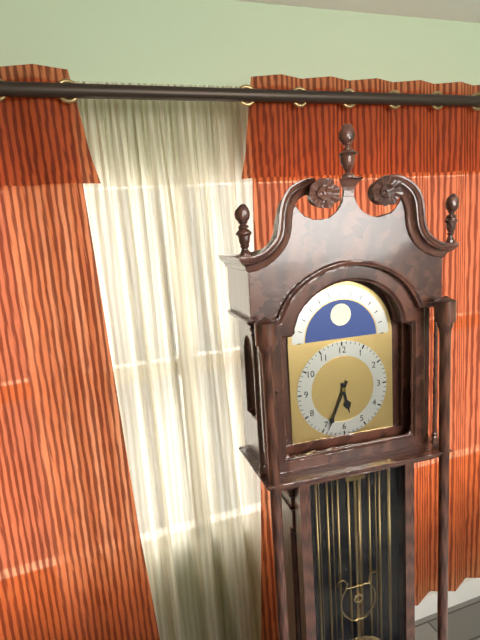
{"hour": 5, "minute": 34}
